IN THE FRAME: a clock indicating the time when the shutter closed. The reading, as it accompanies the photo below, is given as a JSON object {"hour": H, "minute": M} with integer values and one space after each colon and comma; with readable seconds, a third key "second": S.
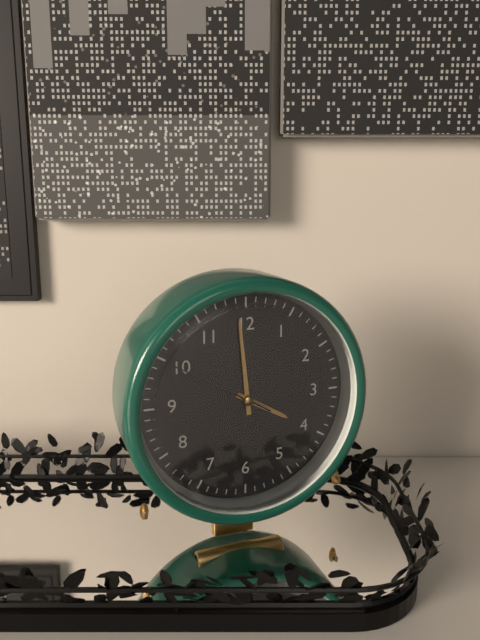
{"hour": 3, "minute": 59, "second": 50}
